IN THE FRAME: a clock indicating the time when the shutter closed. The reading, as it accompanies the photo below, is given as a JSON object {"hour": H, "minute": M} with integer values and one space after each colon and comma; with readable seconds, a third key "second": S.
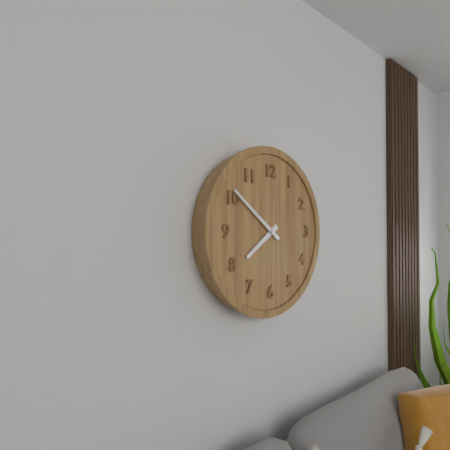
{"hour": 7, "minute": 51}
